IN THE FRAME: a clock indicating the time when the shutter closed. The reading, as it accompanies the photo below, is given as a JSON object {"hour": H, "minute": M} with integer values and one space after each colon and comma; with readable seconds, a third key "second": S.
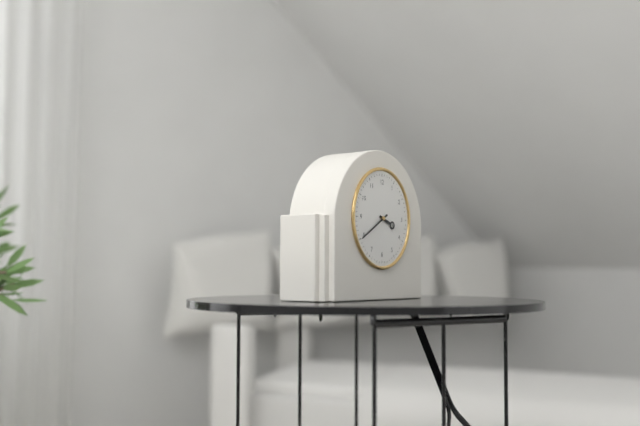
{"hour": 3, "minute": 40}
